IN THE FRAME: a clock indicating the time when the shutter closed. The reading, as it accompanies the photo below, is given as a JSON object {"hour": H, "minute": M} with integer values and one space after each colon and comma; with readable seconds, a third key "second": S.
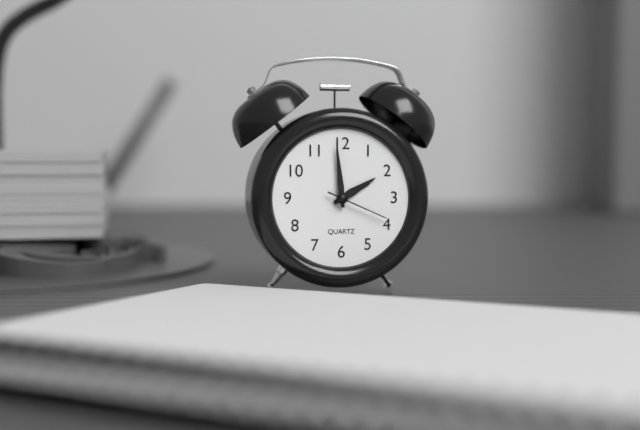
{"hour": 1, "minute": 59, "second": 19}
